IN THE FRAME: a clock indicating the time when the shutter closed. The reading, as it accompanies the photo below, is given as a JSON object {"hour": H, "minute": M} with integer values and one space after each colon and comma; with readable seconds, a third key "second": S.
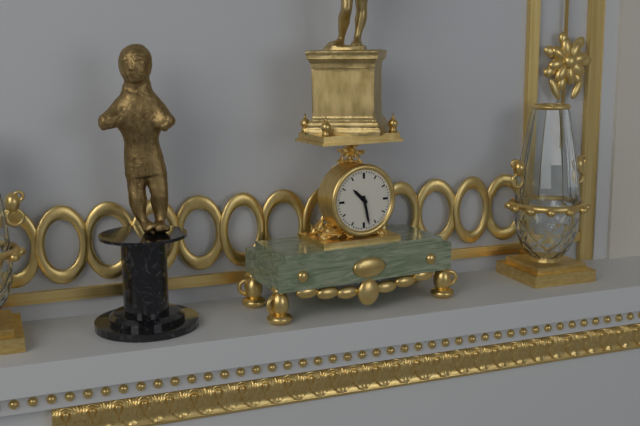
{"hour": 10, "minute": 28}
